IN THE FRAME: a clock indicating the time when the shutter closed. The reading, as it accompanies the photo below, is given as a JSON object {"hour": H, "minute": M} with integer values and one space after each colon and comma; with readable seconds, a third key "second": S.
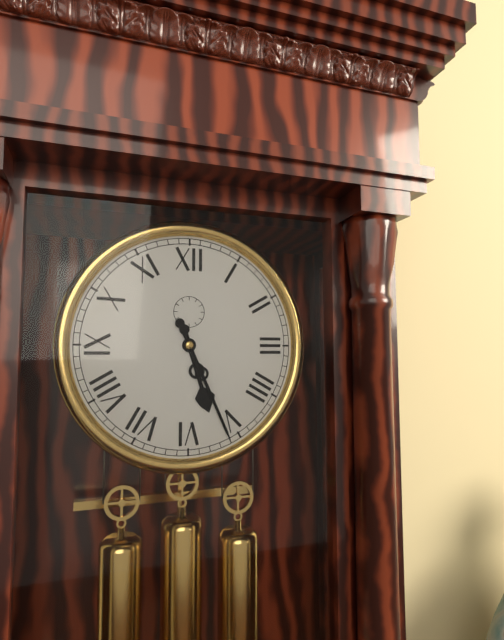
{"hour": 5, "minute": 26}
